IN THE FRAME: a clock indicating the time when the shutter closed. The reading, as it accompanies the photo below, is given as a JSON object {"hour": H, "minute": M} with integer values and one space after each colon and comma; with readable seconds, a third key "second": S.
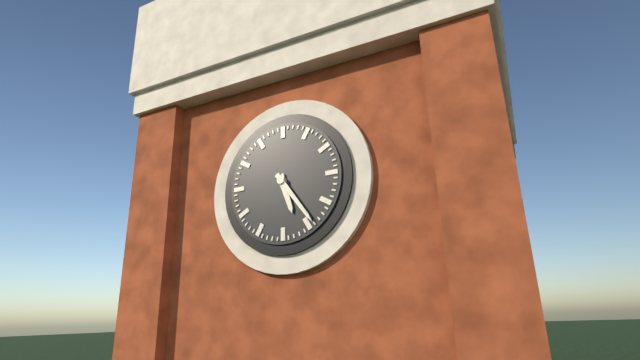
{"hour": 5, "minute": 24}
